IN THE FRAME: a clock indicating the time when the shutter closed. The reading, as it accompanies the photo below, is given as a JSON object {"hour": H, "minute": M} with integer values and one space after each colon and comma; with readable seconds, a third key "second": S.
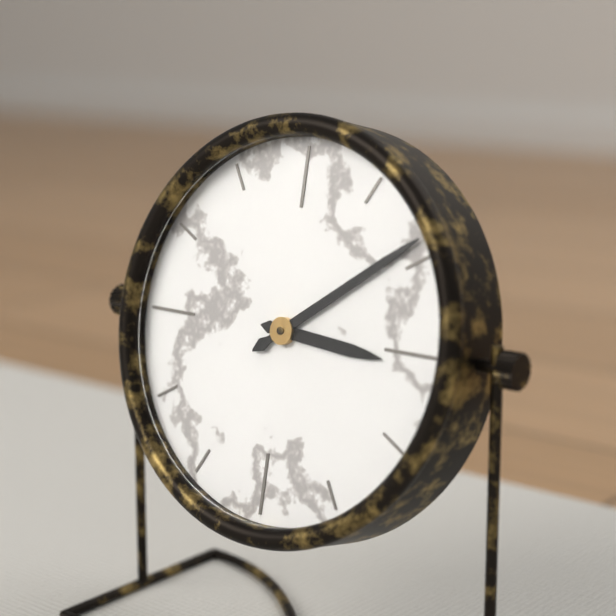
{"hour": 3, "minute": 9}
